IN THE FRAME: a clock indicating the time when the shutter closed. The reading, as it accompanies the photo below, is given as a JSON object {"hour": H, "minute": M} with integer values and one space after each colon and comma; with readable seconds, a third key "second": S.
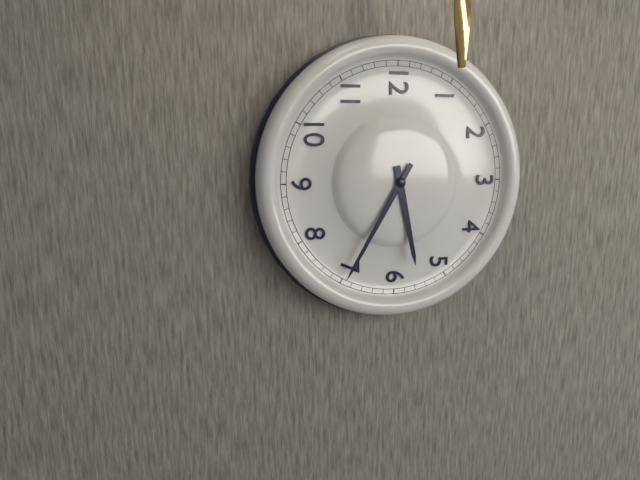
{"hour": 5, "minute": 35}
